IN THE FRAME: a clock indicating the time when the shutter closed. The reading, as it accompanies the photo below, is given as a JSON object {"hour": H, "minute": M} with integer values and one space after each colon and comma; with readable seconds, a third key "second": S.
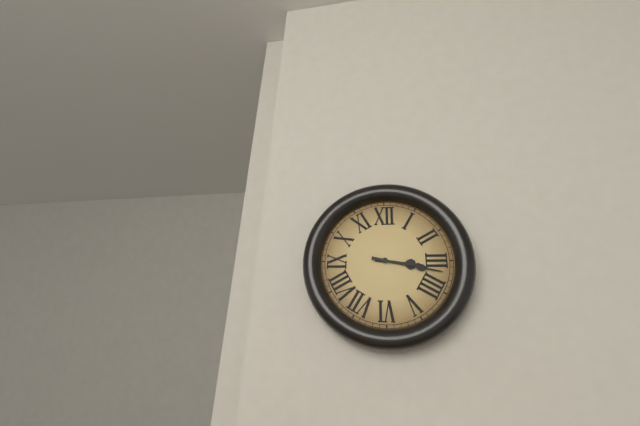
{"hour": 3, "minute": 17}
